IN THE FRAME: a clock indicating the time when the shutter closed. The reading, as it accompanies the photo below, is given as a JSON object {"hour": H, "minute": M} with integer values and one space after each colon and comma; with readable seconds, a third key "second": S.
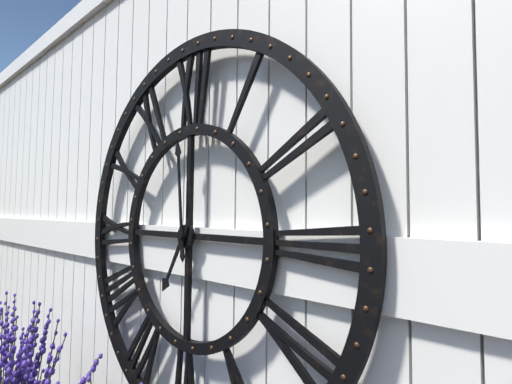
{"hour": 6, "minute": 59}
